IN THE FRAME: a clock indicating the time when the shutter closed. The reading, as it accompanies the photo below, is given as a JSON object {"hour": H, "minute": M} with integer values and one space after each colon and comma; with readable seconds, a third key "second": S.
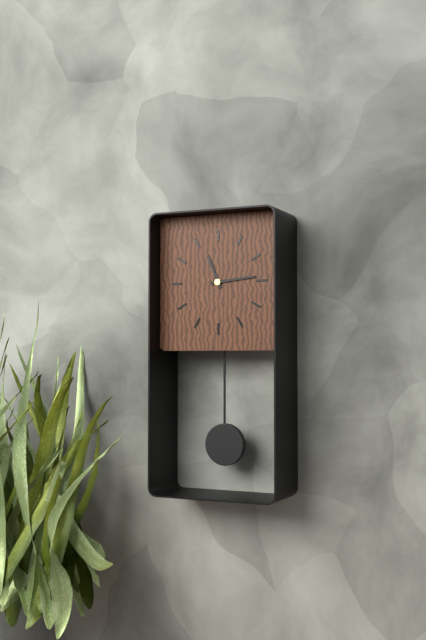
{"hour": 11, "minute": 14}
